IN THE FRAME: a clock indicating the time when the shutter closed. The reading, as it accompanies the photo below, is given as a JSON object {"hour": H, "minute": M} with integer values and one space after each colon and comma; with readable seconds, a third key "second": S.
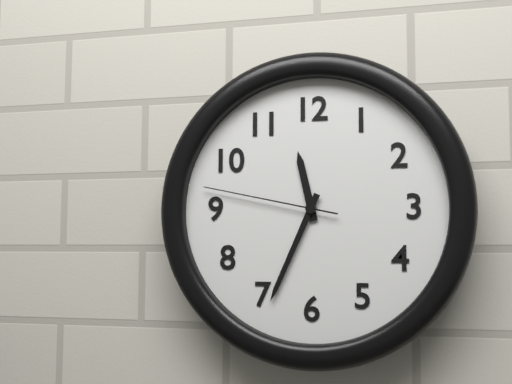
{"hour": 11, "minute": 34, "second": 47}
